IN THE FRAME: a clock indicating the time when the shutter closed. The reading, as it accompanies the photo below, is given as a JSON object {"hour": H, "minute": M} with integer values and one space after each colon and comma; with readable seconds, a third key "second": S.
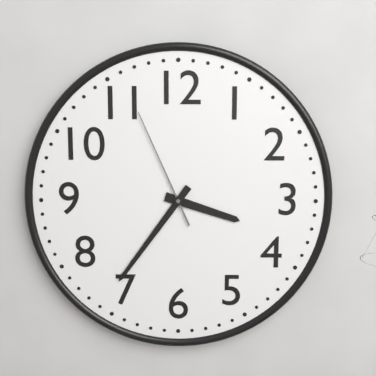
{"hour": 3, "minute": 36, "second": 56}
